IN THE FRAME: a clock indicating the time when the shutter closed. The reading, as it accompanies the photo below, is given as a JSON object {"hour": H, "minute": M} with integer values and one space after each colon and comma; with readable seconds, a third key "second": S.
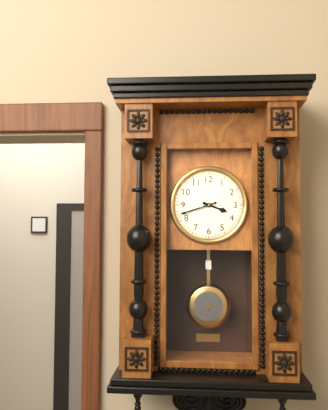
{"hour": 3, "minute": 42}
